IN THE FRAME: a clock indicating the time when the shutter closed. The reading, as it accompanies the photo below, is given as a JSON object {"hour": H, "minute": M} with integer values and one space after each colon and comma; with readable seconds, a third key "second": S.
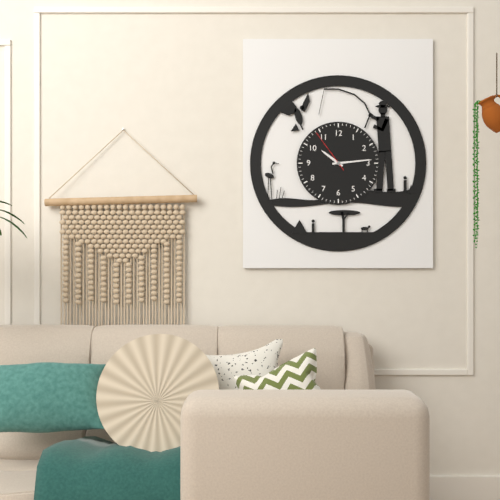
{"hour": 10, "minute": 14}
